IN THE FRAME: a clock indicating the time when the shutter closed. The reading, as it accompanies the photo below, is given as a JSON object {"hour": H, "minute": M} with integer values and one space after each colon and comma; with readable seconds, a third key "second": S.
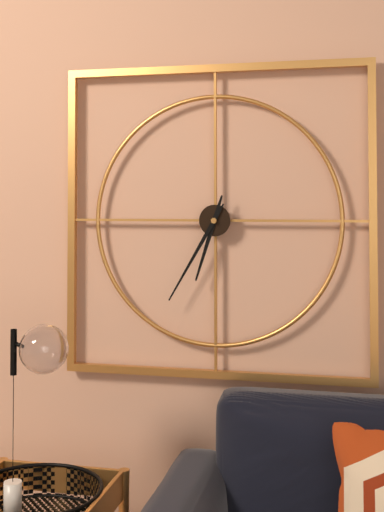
{"hour": 6, "minute": 35}
